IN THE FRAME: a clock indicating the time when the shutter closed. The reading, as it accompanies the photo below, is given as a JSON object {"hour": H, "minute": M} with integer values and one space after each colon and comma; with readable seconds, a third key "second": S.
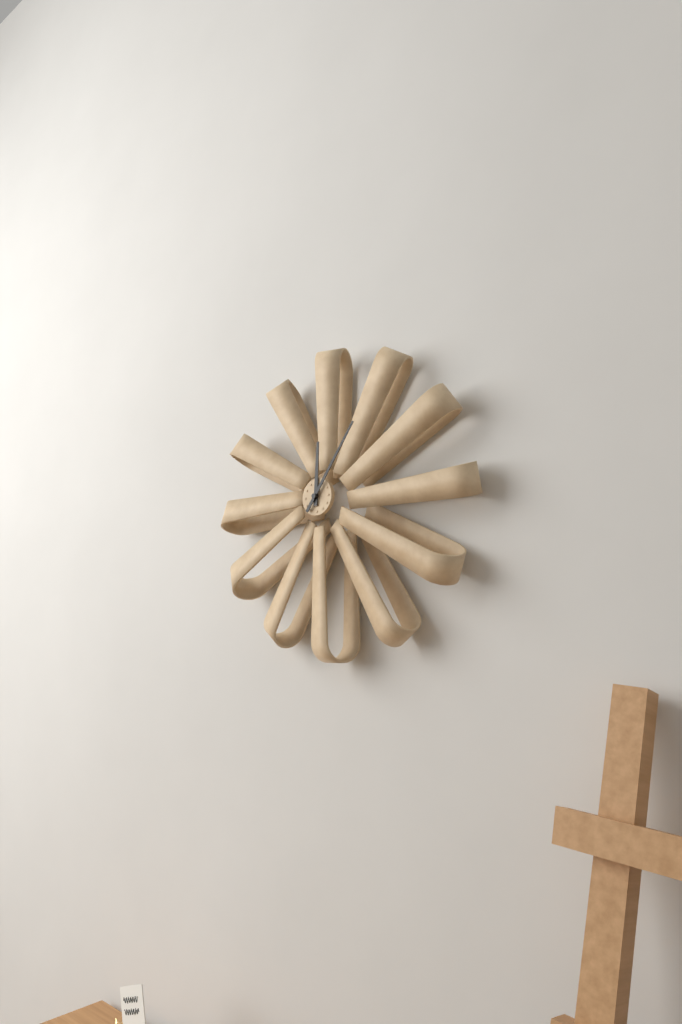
{"hour": 12, "minute": 6}
